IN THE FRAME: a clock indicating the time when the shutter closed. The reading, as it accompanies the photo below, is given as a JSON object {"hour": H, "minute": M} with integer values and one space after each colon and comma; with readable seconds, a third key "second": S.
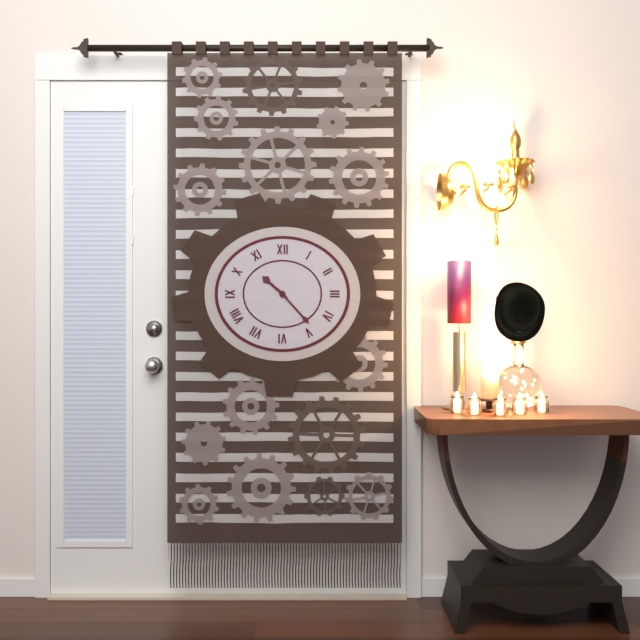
{"hour": 10, "minute": 23}
